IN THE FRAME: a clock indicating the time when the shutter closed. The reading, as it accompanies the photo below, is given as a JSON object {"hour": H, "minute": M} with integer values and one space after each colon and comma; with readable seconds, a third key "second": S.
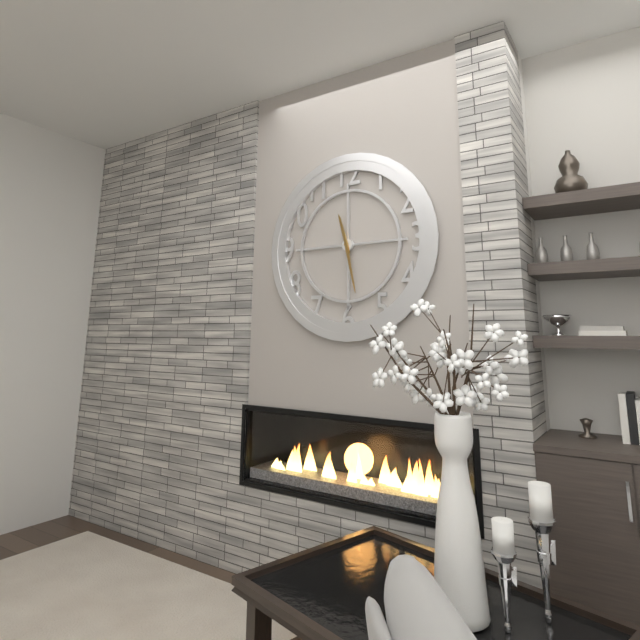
{"hour": 11, "minute": 28}
